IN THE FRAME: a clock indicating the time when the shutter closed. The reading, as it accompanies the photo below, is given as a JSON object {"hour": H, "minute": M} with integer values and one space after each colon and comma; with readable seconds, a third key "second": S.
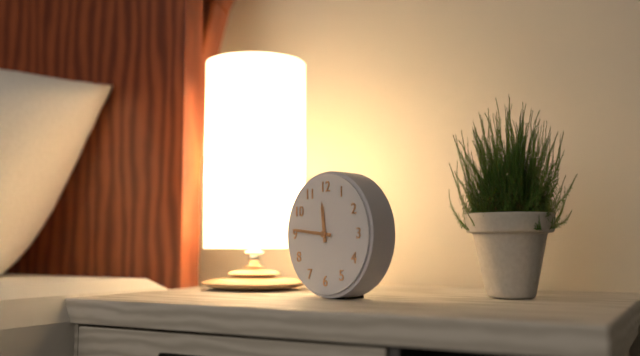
{"hour": 11, "minute": 46}
